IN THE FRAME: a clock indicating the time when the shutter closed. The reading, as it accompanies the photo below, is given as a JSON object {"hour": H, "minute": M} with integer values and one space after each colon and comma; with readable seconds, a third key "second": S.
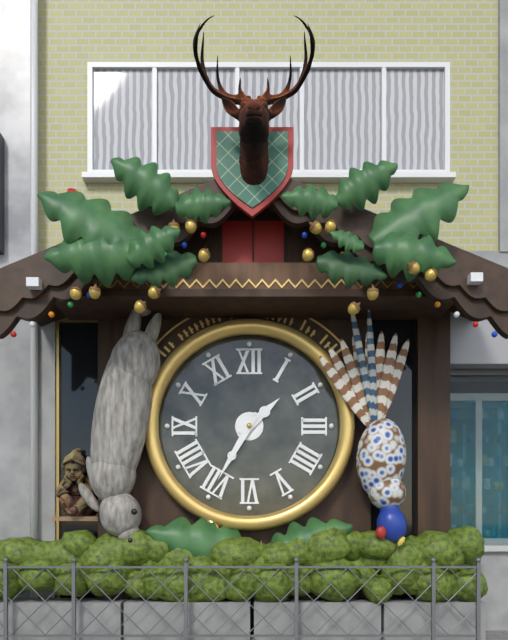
{"hour": 1, "minute": 35}
